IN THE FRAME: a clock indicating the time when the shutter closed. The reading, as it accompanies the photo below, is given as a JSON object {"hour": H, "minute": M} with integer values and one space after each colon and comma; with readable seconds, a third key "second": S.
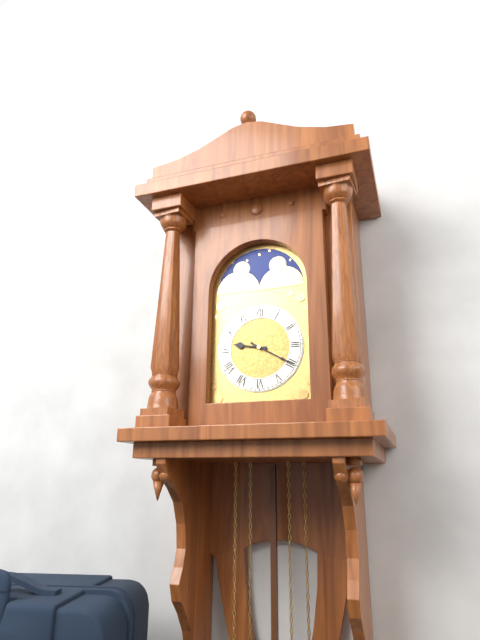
{"hour": 9, "minute": 20}
